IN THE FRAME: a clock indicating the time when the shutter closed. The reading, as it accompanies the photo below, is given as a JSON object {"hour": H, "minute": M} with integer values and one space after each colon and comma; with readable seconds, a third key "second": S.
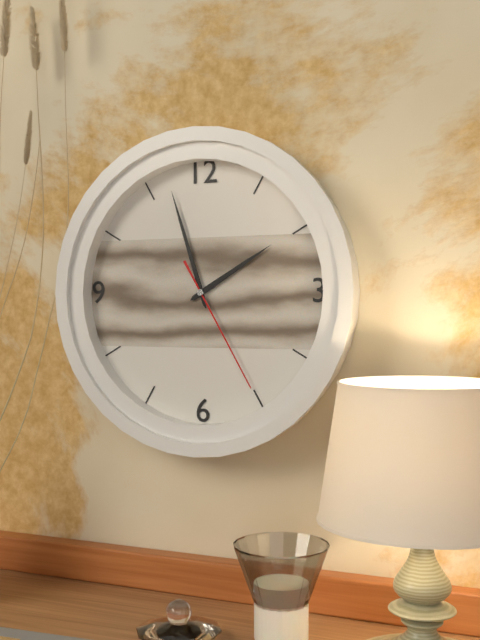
{"hour": 1, "minute": 57, "second": 25}
